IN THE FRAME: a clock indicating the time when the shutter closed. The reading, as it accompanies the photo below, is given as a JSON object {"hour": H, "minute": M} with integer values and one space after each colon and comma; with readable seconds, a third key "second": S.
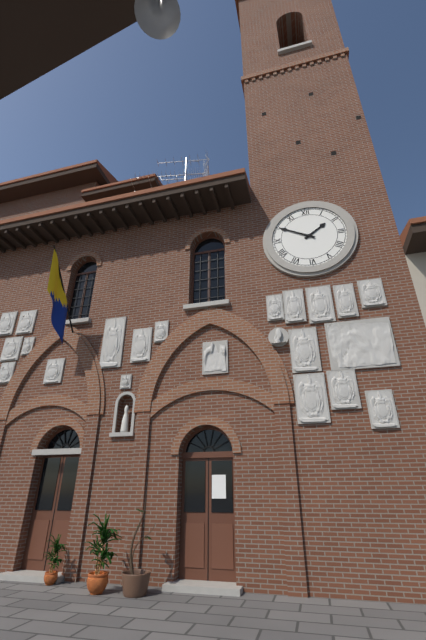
{"hour": 1, "minute": 50}
